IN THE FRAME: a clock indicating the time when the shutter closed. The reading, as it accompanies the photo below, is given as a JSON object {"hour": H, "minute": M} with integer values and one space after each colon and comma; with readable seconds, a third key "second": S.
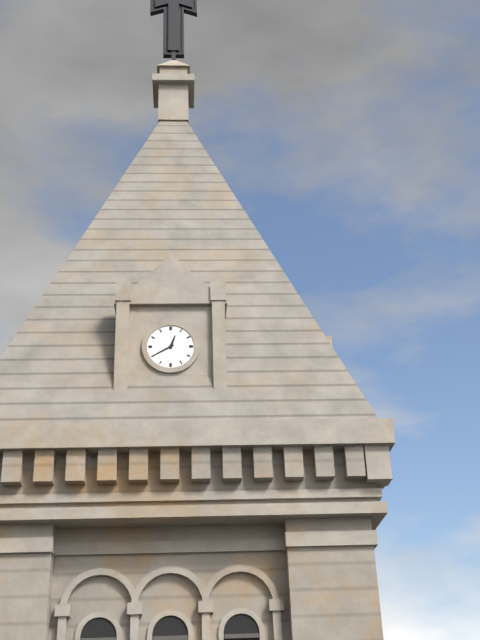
{"hour": 12, "minute": 40}
